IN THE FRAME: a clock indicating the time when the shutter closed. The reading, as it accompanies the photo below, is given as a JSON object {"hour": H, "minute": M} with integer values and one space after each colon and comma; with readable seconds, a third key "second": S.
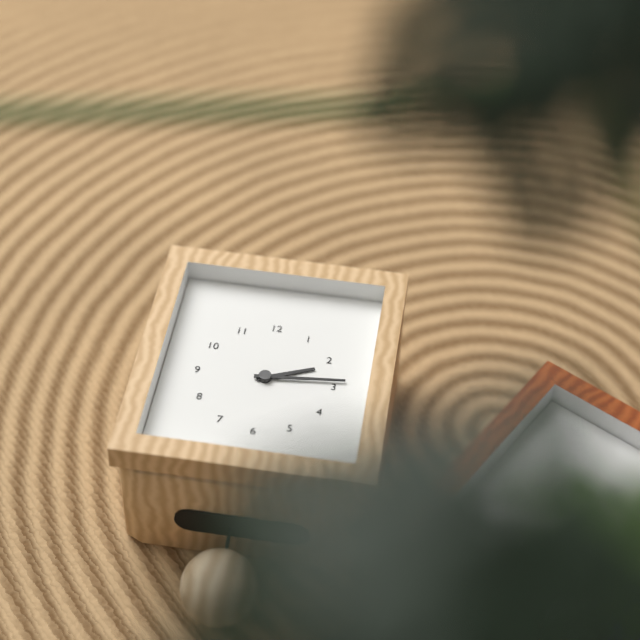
{"hour": 2, "minute": 14}
